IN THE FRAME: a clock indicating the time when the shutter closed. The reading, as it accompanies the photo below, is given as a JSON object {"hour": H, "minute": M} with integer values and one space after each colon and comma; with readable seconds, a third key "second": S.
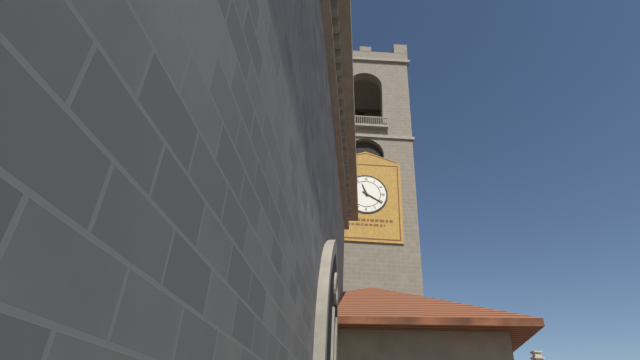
{"hour": 11, "minute": 20}
